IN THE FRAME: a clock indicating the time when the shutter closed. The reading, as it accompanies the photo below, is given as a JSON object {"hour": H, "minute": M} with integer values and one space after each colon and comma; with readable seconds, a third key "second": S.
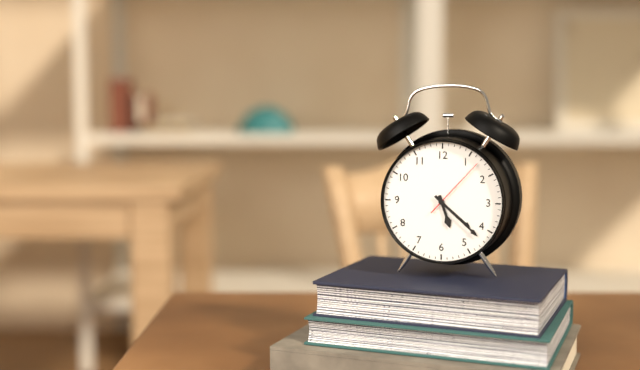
{"hour": 5, "minute": 22, "second": 7}
